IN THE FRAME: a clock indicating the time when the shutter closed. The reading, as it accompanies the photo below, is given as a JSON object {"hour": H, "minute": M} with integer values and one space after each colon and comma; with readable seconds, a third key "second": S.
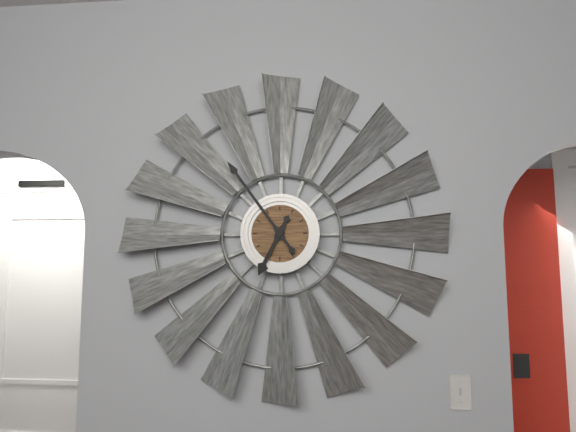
{"hour": 6, "minute": 54}
